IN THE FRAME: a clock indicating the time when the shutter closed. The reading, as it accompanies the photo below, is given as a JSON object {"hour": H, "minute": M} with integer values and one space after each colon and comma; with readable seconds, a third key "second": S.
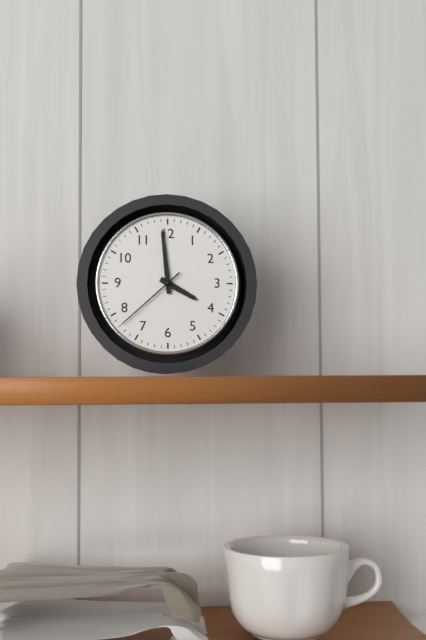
{"hour": 3, "minute": 59, "second": 38}
